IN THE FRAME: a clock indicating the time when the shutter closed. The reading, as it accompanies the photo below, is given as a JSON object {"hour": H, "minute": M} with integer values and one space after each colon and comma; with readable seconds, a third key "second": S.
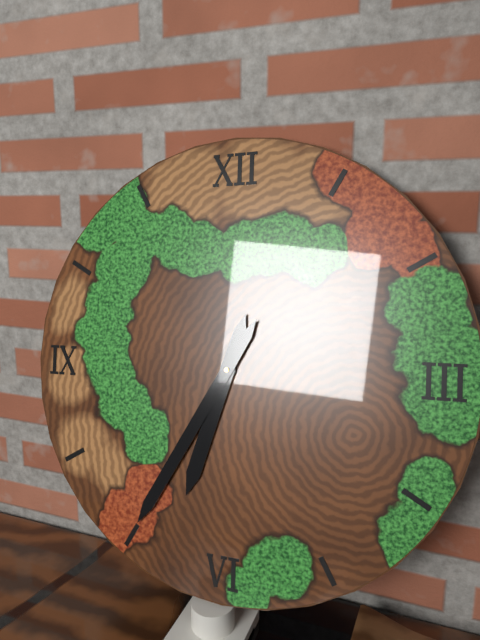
{"hour": 6, "minute": 35}
